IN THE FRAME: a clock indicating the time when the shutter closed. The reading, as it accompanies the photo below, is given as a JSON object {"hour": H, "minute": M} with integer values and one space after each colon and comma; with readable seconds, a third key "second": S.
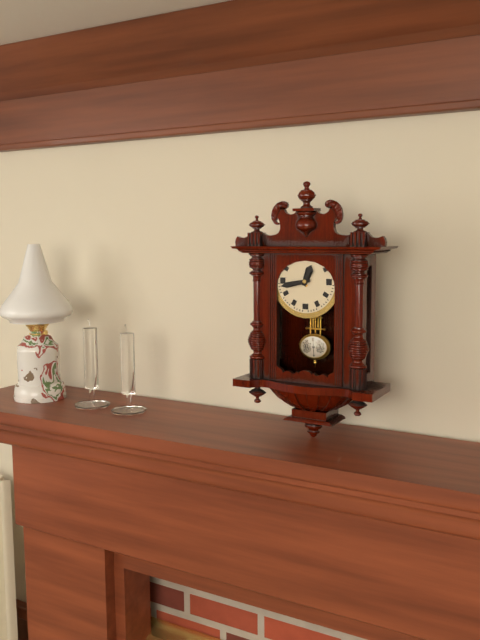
{"hour": 12, "minute": 43}
